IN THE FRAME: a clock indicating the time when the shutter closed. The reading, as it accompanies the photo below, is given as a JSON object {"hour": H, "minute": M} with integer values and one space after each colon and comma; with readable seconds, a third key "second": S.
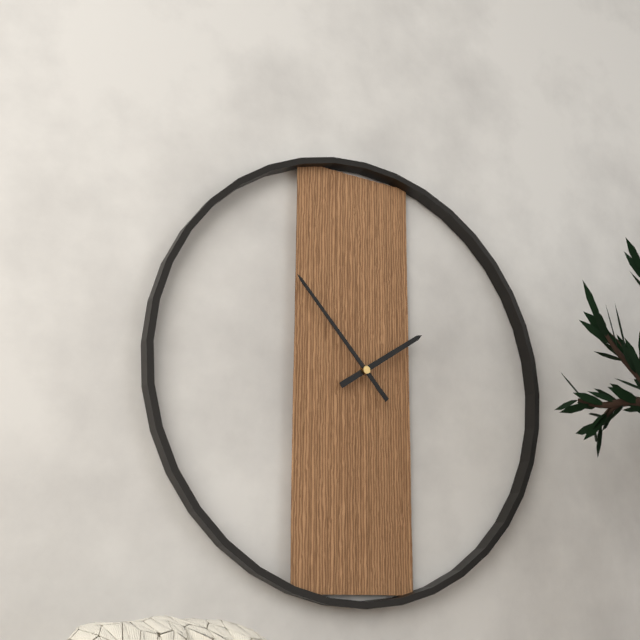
{"hour": 1, "minute": 53}
